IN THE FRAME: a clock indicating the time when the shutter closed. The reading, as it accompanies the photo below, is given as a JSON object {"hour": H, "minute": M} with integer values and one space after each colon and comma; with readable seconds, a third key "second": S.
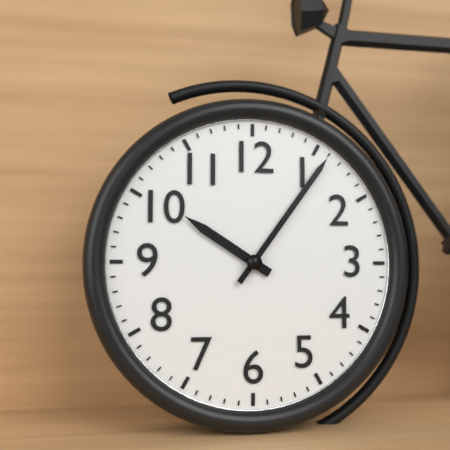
{"hour": 10, "minute": 6}
